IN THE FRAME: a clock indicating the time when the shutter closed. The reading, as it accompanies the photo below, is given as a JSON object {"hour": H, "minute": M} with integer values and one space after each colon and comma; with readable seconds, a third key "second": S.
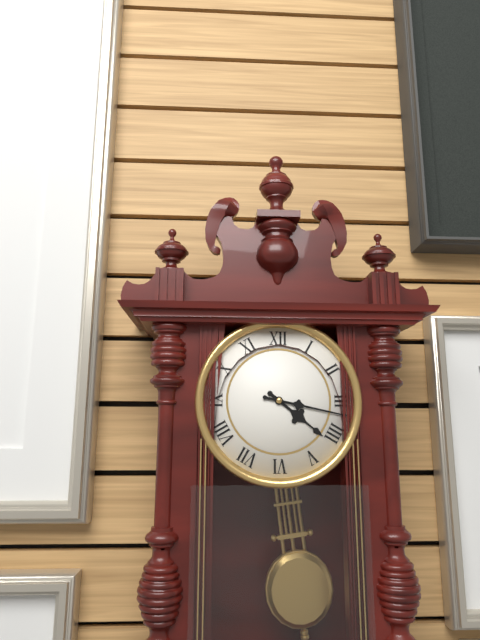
{"hour": 4, "minute": 17}
